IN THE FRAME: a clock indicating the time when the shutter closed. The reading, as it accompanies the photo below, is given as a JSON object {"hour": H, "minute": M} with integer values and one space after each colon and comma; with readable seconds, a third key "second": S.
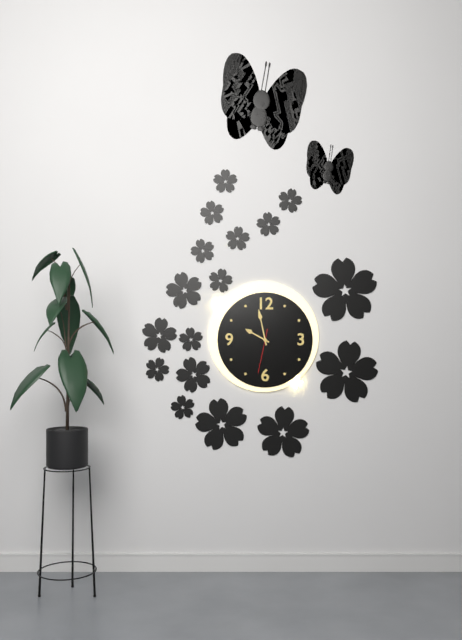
{"hour": 9, "minute": 58}
